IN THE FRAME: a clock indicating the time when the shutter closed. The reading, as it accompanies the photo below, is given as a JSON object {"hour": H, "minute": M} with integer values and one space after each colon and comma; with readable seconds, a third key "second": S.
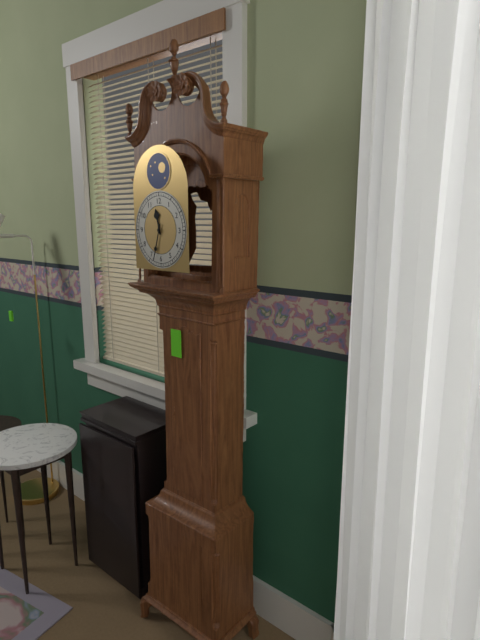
{"hour": 11, "minute": 33}
